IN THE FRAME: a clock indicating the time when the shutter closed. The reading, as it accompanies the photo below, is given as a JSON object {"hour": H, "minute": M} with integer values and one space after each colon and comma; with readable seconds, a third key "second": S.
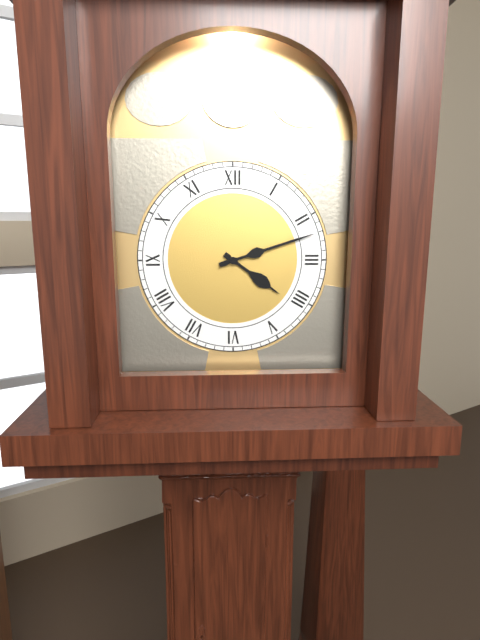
{"hour": 4, "minute": 12}
